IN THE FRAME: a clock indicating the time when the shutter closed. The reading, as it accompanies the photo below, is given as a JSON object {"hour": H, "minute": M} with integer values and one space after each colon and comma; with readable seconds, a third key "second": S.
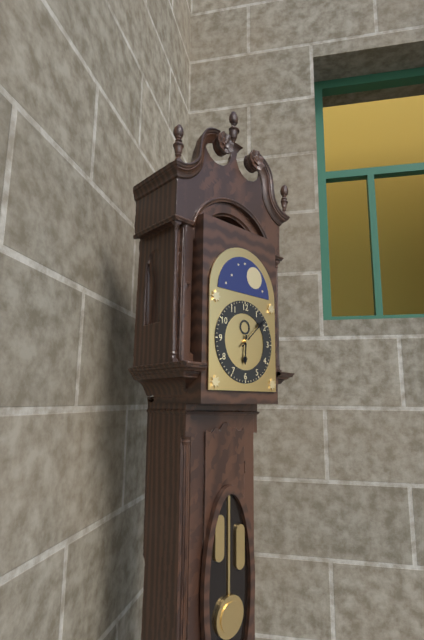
{"hour": 6, "minute": 8}
